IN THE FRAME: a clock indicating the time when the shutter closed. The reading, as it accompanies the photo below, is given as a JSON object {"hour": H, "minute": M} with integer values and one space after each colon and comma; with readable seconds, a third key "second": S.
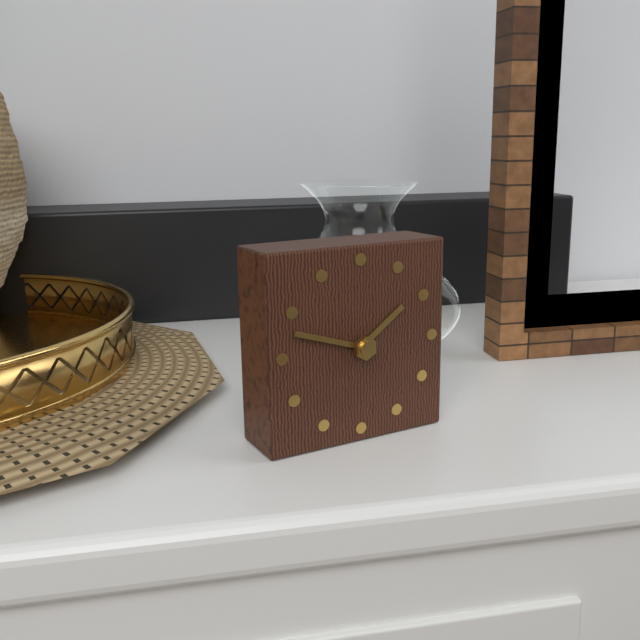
{"hour": 1, "minute": 48}
